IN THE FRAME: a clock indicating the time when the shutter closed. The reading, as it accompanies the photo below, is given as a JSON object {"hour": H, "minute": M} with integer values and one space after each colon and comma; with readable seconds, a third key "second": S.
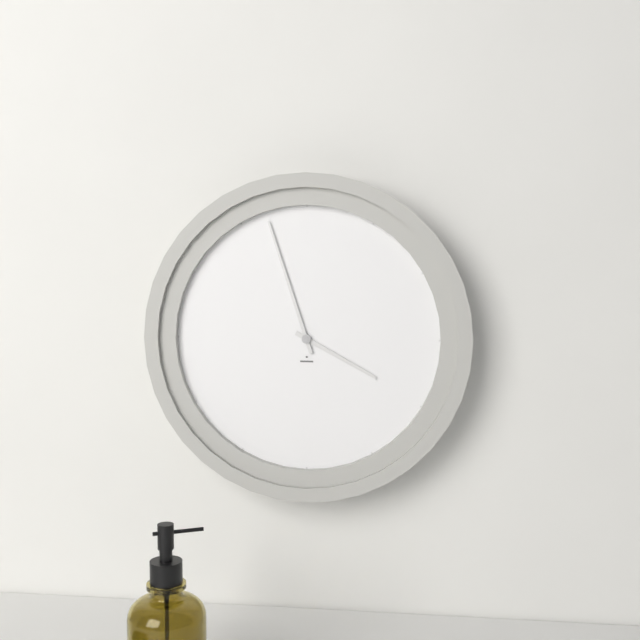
{"hour": 3, "minute": 57}
